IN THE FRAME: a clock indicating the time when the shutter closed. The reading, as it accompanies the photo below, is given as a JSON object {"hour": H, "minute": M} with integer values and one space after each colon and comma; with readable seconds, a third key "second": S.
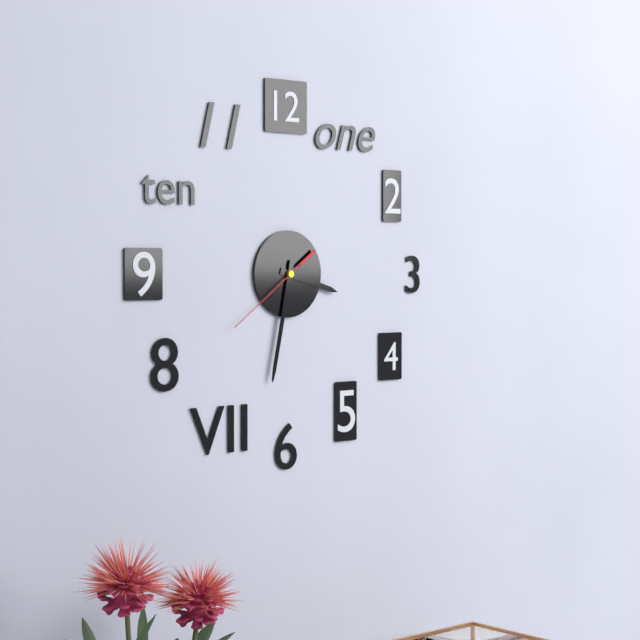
{"hour": 3, "minute": 32, "second": 39}
